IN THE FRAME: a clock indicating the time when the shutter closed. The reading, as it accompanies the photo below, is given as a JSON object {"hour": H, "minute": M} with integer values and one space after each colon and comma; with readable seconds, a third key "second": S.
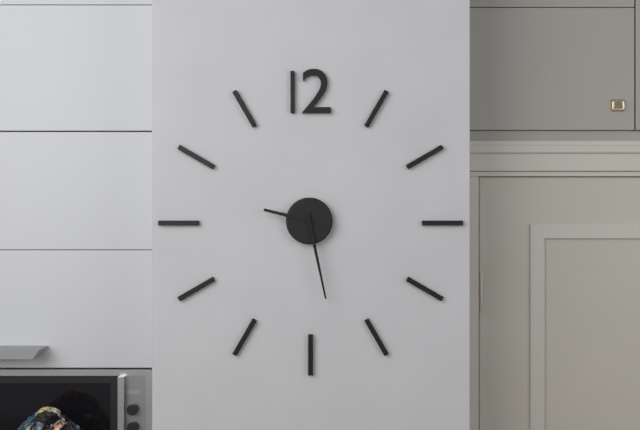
{"hour": 9, "minute": 28}
